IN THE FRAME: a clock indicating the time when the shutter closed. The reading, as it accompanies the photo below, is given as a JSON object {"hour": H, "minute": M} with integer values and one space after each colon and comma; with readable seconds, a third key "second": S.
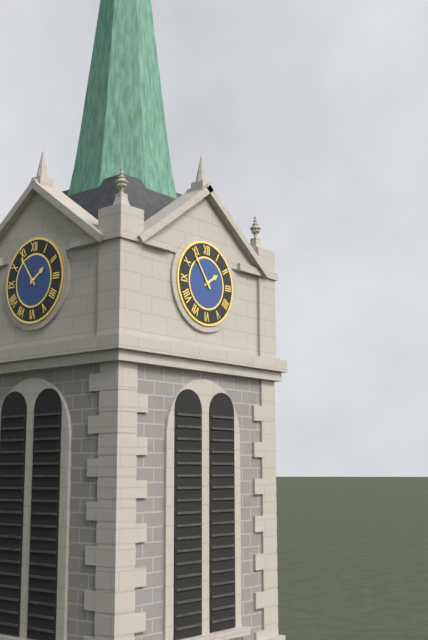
{"hour": 1, "minute": 54}
